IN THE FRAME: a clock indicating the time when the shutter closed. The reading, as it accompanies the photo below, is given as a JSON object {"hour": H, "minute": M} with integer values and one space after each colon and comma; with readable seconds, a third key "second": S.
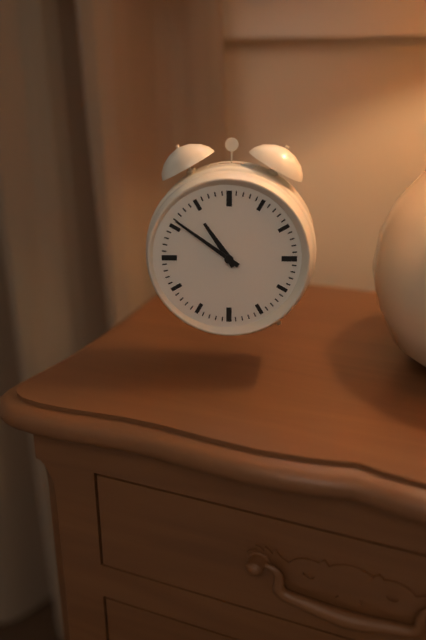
{"hour": 10, "minute": 51}
